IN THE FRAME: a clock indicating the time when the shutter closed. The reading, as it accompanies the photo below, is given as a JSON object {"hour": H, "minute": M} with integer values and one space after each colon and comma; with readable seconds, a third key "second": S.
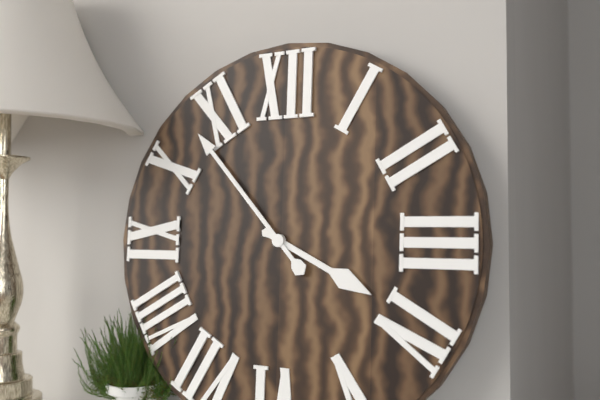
{"hour": 3, "minute": 53}
